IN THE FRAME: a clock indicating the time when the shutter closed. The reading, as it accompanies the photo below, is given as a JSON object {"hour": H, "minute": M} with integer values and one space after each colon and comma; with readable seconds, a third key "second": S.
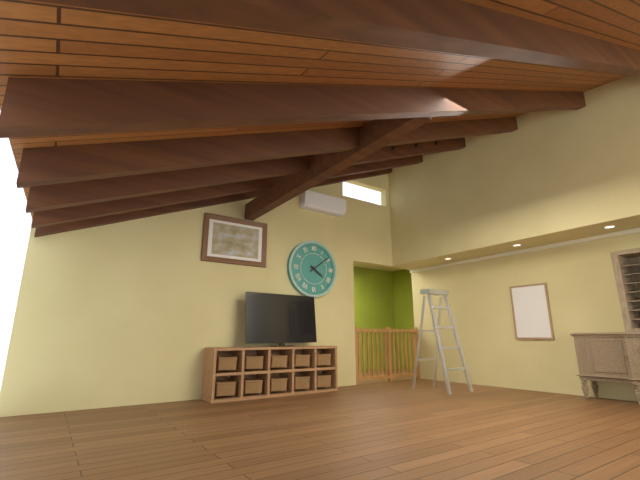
{"hour": 4, "minute": 9}
